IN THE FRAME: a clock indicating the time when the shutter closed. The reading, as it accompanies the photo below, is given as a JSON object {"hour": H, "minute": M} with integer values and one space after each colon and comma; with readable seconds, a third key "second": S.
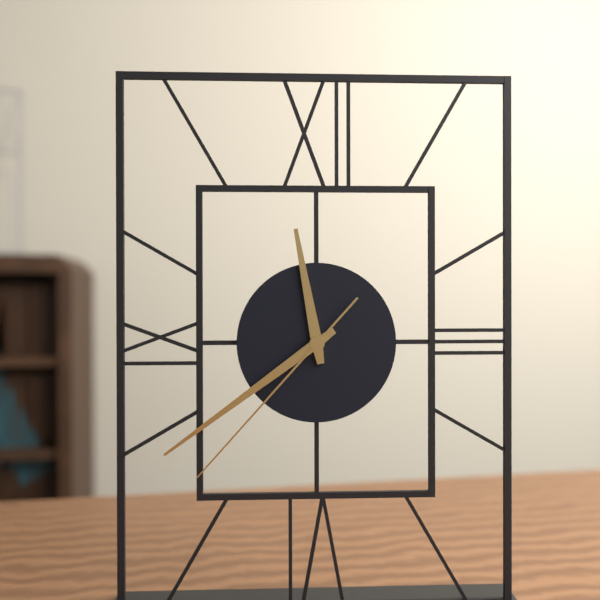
{"hour": 11, "minute": 39, "second": 37}
